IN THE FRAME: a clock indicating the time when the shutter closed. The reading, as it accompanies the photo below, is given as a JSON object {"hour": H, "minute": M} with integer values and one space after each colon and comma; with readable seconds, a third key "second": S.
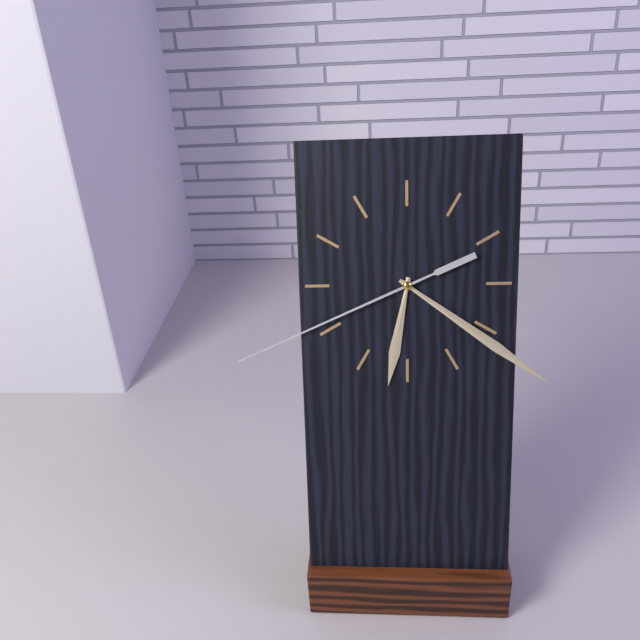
{"hour": 6, "minute": 21, "second": 41}
